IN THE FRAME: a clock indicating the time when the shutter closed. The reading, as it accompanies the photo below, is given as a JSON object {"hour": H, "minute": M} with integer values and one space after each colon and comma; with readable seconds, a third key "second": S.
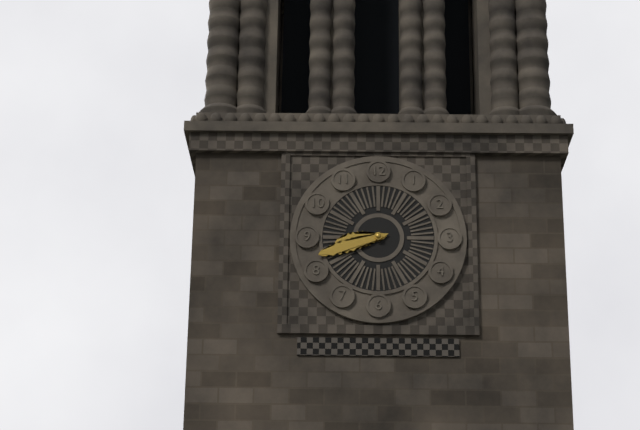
{"hour": 8, "minute": 42}
